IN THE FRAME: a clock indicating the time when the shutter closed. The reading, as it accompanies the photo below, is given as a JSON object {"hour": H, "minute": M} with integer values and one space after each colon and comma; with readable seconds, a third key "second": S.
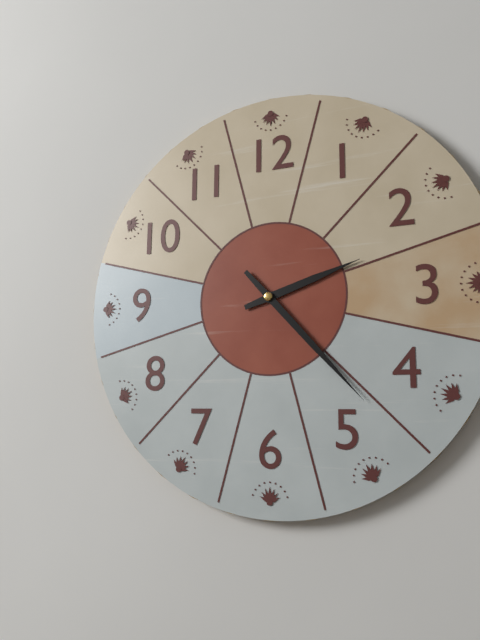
{"hour": 2, "minute": 23}
